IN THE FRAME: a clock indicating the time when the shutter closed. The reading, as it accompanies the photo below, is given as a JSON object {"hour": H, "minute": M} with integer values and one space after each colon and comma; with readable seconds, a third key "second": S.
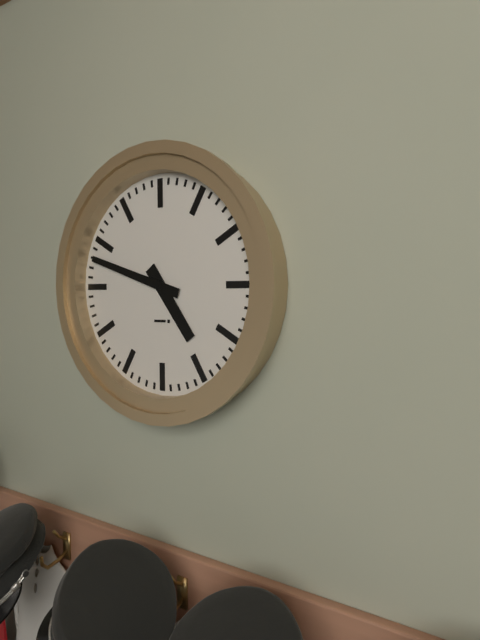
{"hour": 4, "minute": 48}
